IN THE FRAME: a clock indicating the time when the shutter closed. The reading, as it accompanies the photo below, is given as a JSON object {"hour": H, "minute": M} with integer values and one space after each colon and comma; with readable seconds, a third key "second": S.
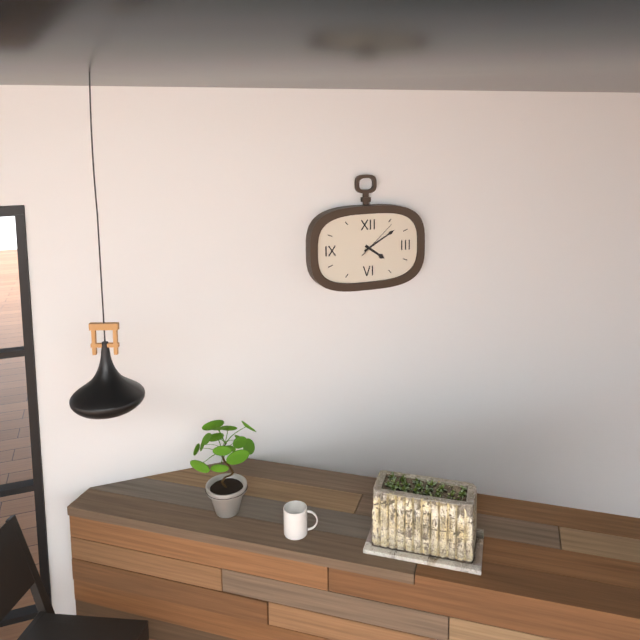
{"hour": 4, "minute": 10}
